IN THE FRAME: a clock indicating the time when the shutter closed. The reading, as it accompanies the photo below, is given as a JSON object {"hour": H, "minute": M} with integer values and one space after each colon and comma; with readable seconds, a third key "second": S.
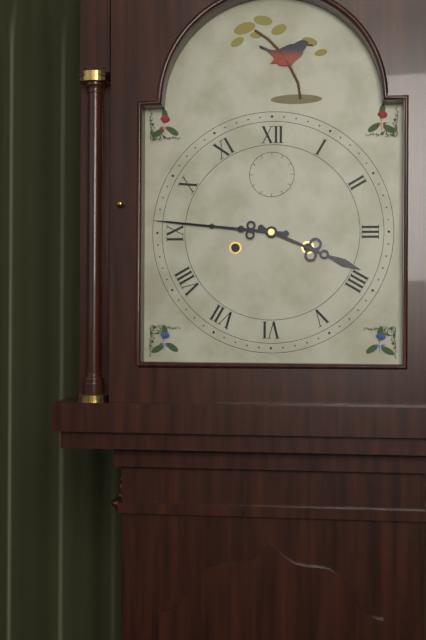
{"hour": 3, "minute": 46}
